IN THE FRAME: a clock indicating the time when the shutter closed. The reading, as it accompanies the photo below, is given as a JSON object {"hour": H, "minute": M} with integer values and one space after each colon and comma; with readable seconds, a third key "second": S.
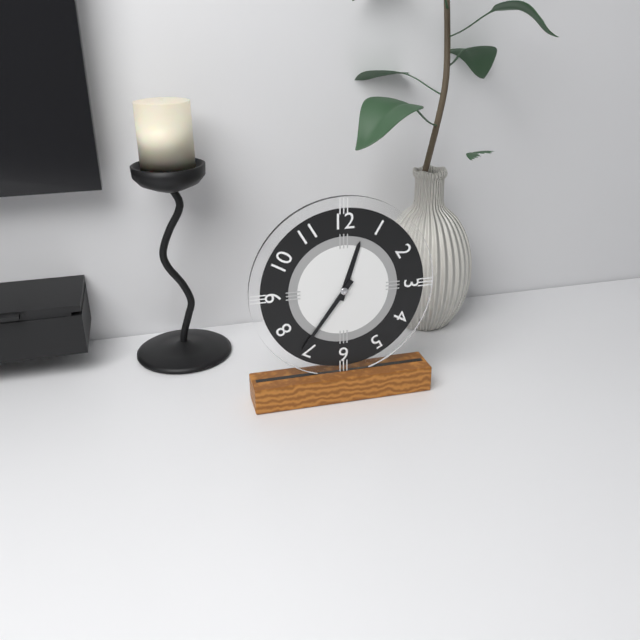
{"hour": 12, "minute": 36}
